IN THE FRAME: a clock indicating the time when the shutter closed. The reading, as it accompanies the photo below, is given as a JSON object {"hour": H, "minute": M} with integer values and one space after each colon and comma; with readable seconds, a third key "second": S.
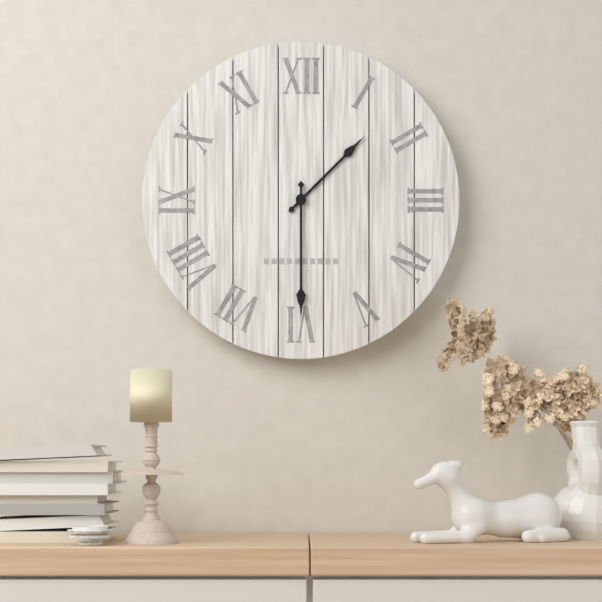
{"hour": 1, "minute": 30}
